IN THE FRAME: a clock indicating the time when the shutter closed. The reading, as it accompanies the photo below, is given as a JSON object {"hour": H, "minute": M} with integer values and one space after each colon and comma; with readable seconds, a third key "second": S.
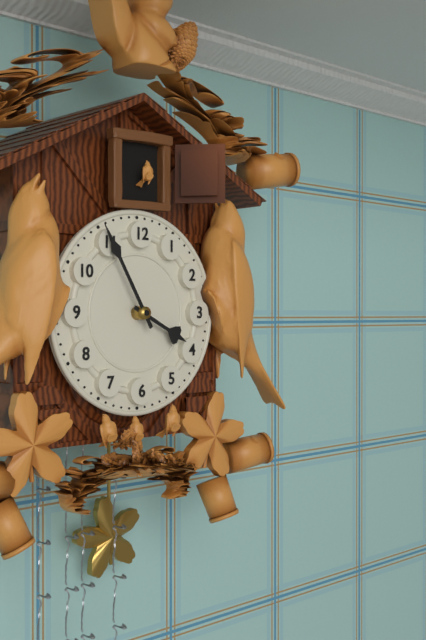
{"hour": 3, "minute": 55}
